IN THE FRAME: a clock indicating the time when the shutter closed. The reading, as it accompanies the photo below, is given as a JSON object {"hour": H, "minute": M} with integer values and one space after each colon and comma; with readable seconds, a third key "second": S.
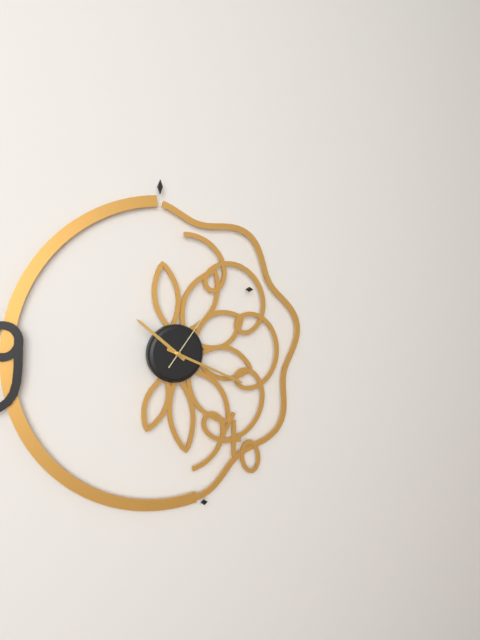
{"hour": 10, "minute": 19, "second": 6}
